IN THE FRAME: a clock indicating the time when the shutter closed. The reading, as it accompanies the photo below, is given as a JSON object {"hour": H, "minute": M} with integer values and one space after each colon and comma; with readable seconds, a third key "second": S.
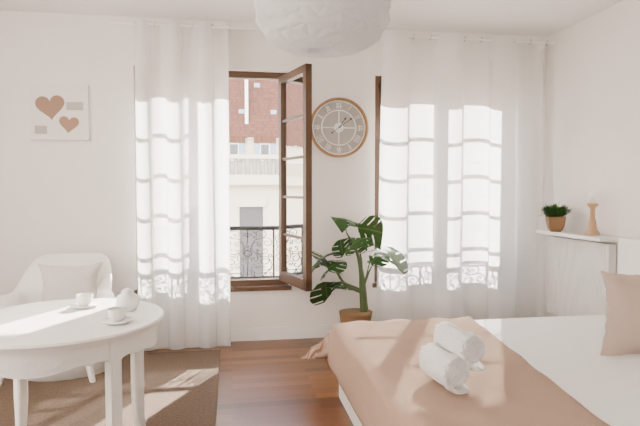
{"hour": 1, "minute": 9}
